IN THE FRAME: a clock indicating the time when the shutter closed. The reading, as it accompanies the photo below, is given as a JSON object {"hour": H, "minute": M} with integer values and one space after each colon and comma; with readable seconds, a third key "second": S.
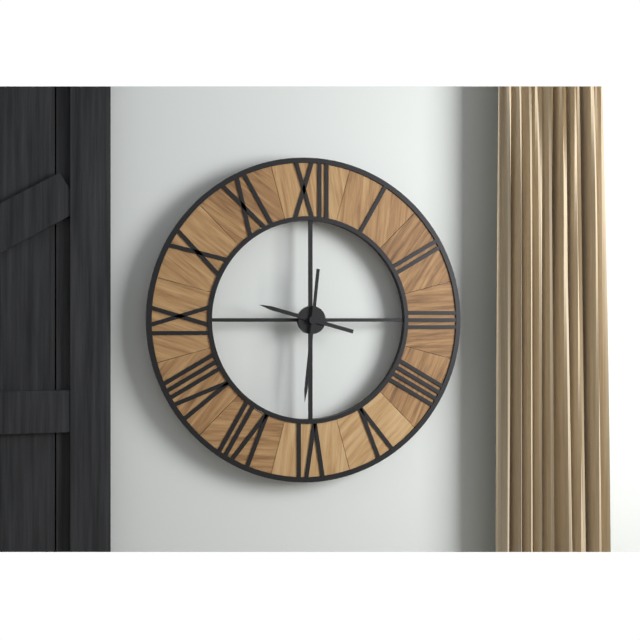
{"hour": 9, "minute": 31}
